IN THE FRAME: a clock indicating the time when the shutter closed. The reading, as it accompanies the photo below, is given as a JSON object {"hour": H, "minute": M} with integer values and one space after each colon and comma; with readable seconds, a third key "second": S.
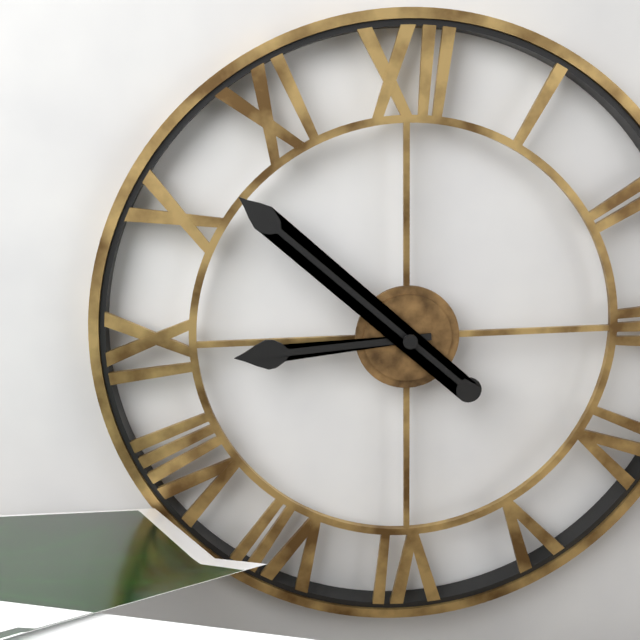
{"hour": 8, "minute": 52}
